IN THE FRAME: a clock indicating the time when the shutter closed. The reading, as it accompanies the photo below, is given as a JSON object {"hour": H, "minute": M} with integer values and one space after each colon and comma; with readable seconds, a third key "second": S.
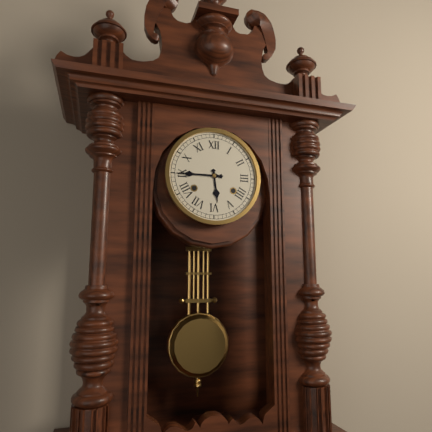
{"hour": 5, "minute": 45}
